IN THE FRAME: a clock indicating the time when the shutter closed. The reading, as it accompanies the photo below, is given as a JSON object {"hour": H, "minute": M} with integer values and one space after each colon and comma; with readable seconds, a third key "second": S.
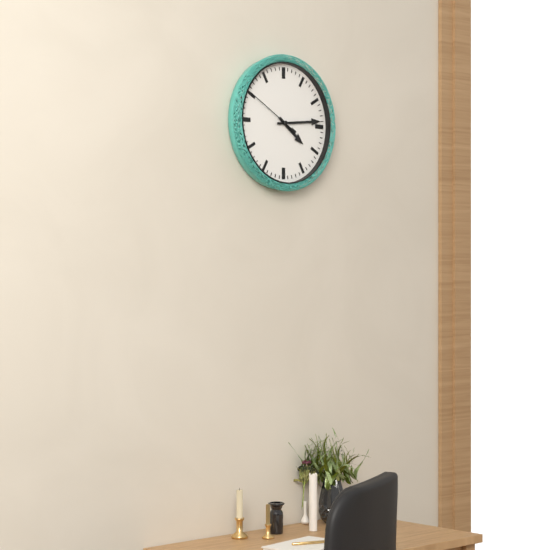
{"hour": 4, "minute": 14, "second": 50}
